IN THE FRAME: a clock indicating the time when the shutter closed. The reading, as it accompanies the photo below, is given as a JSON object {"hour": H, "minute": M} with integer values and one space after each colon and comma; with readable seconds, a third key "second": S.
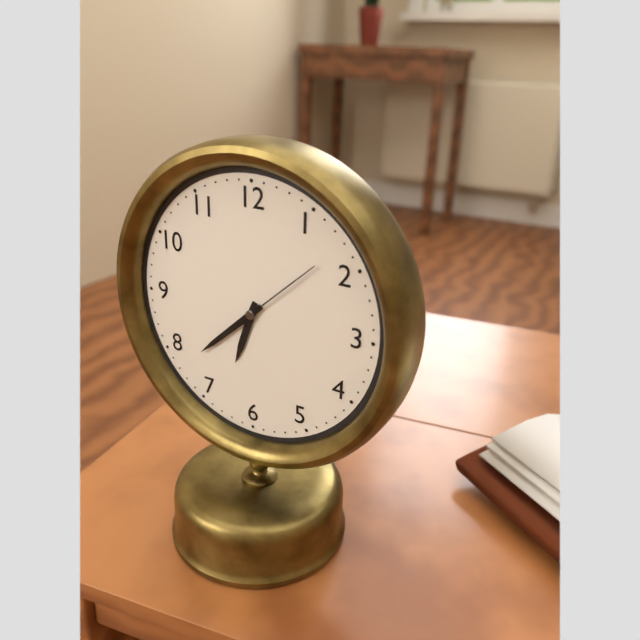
{"hour": 6, "minute": 38, "second": 8}
